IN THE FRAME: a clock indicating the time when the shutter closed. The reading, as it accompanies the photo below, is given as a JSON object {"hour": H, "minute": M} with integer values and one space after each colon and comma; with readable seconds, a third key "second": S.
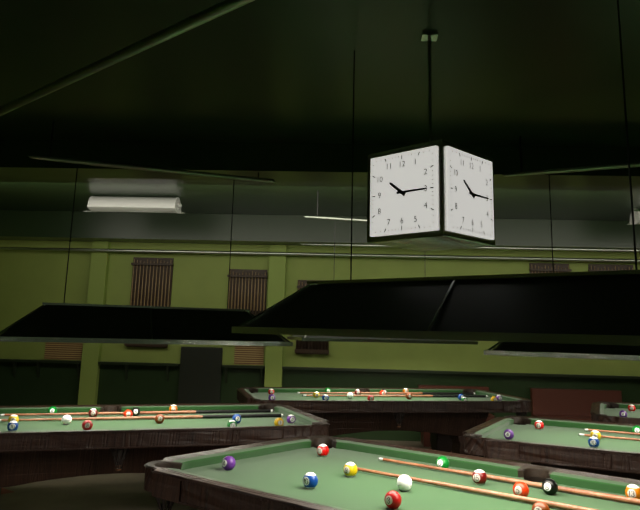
{"hour": 10, "minute": 15}
